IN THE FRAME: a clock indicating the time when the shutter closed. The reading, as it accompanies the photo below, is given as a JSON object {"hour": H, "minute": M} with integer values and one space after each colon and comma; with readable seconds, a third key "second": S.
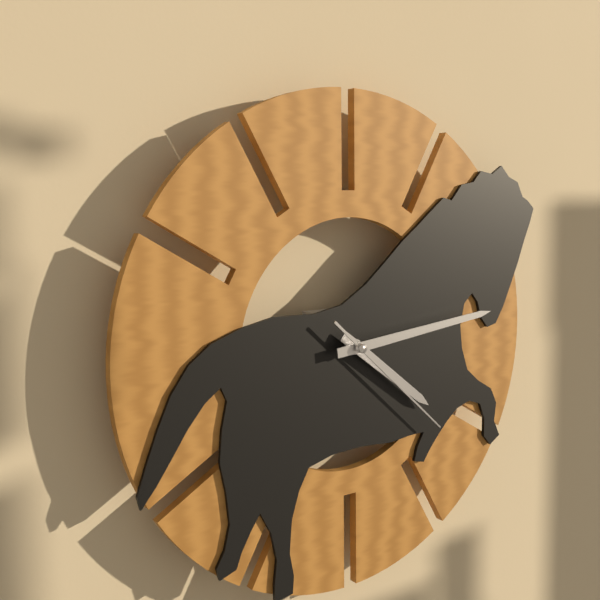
{"hour": 4, "minute": 14, "second": 22}
